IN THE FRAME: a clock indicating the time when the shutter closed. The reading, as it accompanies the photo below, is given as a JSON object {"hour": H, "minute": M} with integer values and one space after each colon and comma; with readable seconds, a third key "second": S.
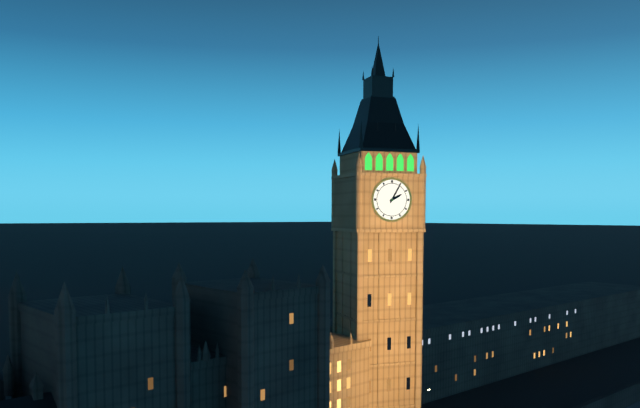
{"hour": 2, "minute": 5}
